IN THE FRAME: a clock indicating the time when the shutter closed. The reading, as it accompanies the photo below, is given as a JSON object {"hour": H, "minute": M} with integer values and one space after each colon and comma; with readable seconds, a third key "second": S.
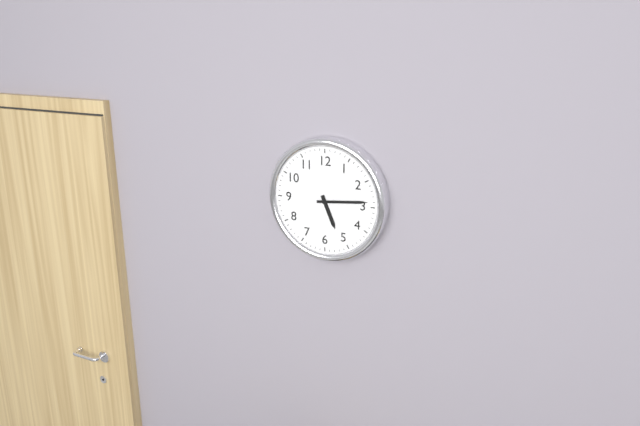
{"hour": 5, "minute": 14}
